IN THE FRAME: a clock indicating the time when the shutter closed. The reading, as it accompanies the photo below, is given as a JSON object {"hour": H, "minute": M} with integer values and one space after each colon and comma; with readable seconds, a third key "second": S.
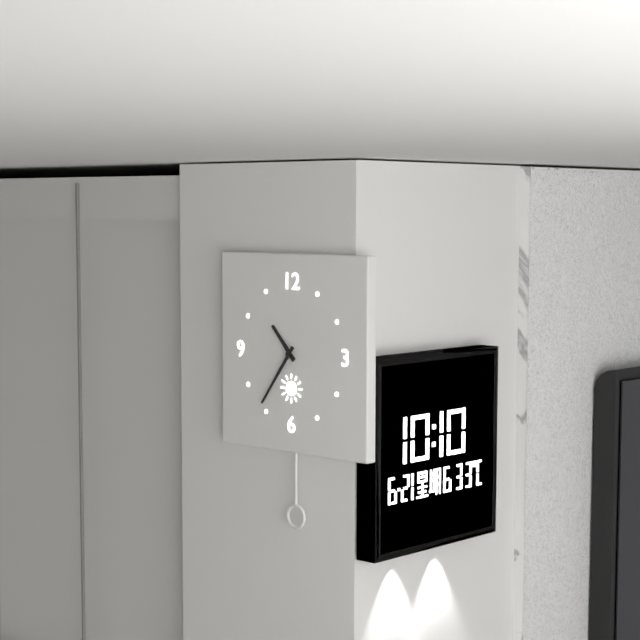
{"hour": 10, "minute": 36}
